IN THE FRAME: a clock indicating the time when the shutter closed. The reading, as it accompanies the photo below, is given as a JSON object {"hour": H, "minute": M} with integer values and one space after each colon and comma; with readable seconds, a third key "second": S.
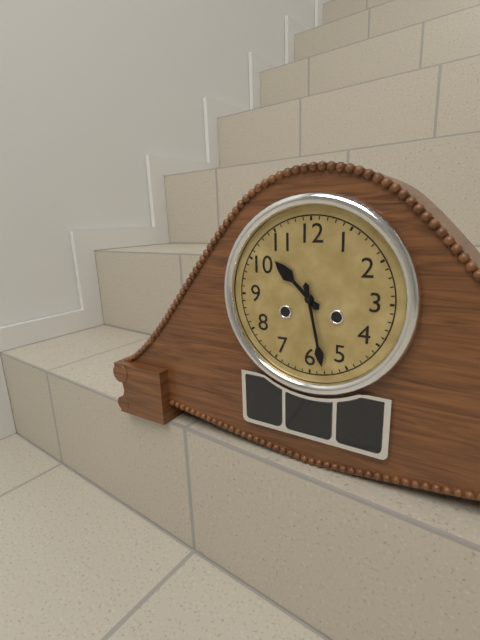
{"hour": 10, "minute": 28}
